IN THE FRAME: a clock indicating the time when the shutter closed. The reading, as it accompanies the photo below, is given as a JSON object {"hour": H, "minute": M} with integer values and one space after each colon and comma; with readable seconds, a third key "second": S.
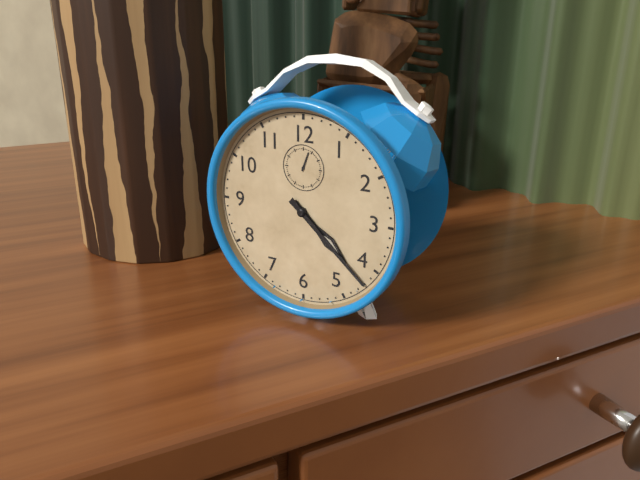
{"hour": 4, "minute": 22}
